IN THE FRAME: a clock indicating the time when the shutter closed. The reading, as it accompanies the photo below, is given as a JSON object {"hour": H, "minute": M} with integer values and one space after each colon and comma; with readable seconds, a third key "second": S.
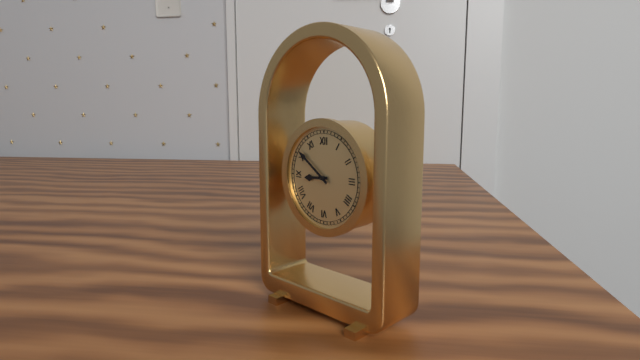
{"hour": 8, "minute": 51}
